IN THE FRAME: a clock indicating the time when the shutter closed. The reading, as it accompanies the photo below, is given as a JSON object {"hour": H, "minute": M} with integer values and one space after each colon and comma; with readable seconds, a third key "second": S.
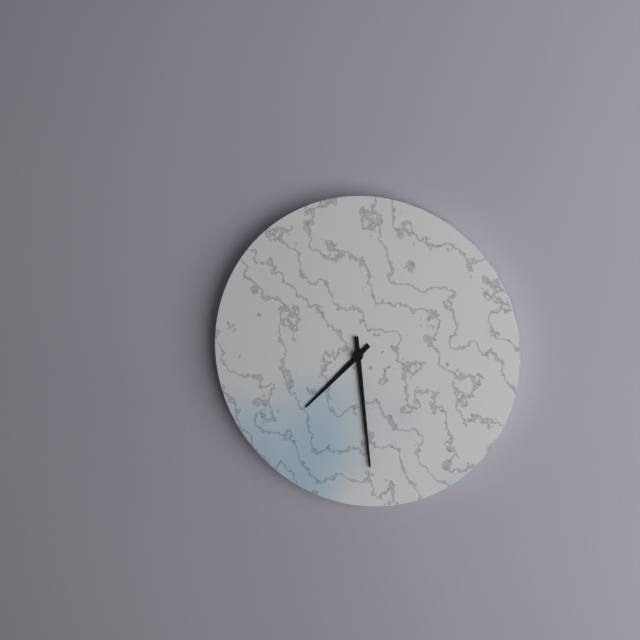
{"hour": 7, "minute": 29}
